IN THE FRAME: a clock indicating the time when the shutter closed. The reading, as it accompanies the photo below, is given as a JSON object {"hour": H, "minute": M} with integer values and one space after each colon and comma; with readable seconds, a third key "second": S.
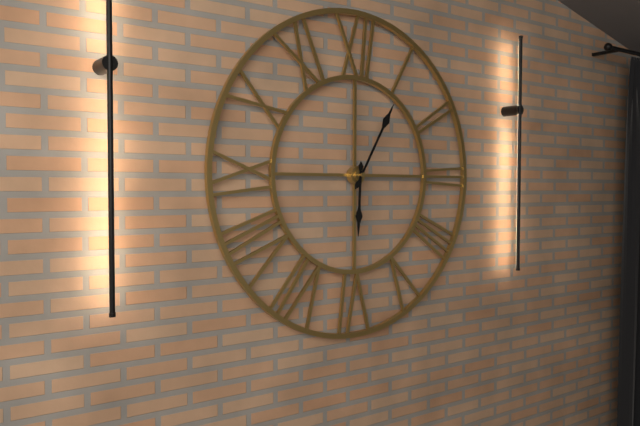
{"hour": 6, "minute": 5}
